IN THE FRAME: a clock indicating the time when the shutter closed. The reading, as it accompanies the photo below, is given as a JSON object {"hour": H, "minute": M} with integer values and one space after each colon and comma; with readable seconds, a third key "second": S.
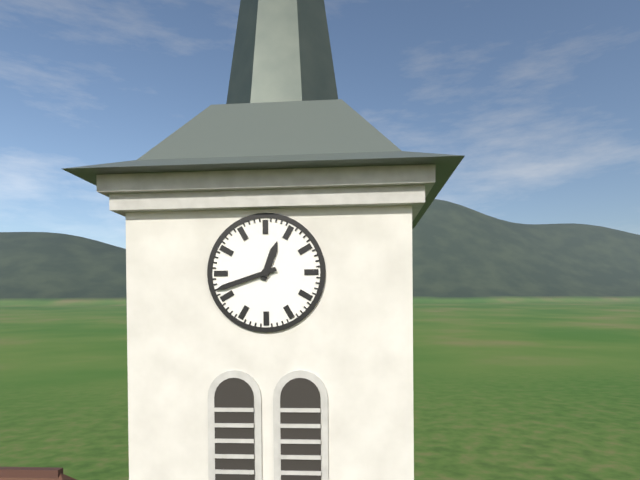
{"hour": 12, "minute": 42}
